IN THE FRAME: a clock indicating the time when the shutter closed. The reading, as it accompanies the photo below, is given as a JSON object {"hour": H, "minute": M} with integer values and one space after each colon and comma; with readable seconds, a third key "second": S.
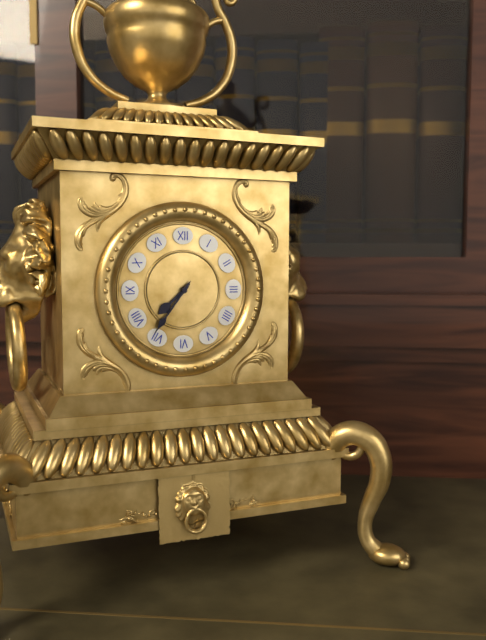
{"hour": 7, "minute": 36}
